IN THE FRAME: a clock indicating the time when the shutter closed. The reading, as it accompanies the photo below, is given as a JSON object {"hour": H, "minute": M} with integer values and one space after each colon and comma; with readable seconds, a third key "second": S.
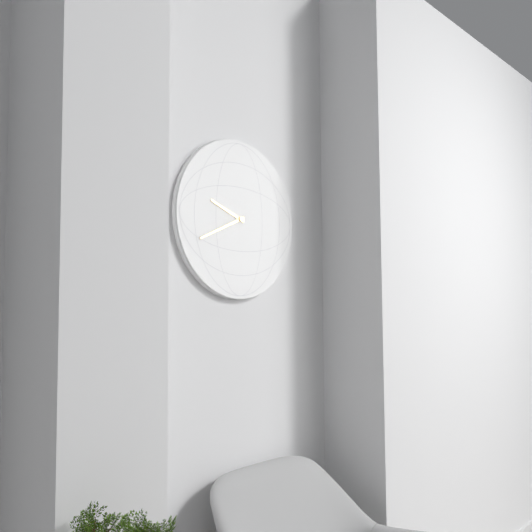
{"hour": 9, "minute": 41}
